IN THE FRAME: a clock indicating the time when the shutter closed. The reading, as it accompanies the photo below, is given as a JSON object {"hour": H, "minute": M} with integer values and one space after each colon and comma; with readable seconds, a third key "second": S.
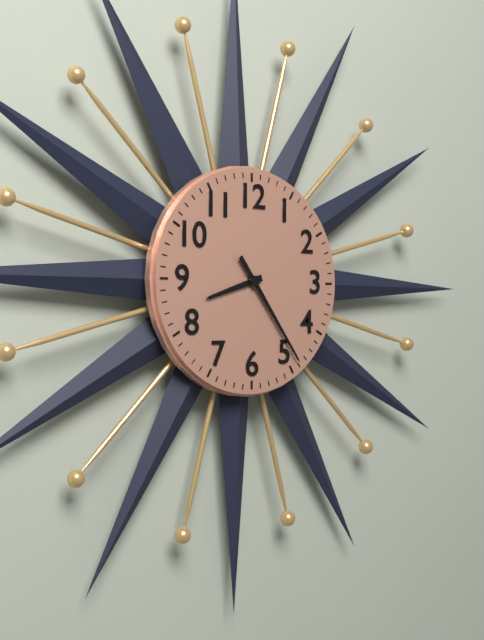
{"hour": 8, "minute": 24}
